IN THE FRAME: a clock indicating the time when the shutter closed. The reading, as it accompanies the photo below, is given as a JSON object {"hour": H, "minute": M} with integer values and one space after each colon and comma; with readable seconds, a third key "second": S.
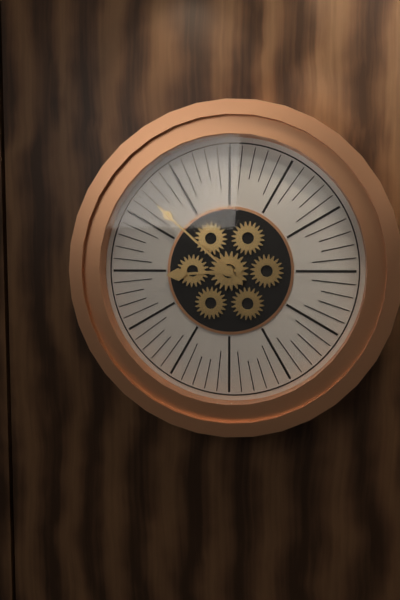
{"hour": 8, "minute": 52}
